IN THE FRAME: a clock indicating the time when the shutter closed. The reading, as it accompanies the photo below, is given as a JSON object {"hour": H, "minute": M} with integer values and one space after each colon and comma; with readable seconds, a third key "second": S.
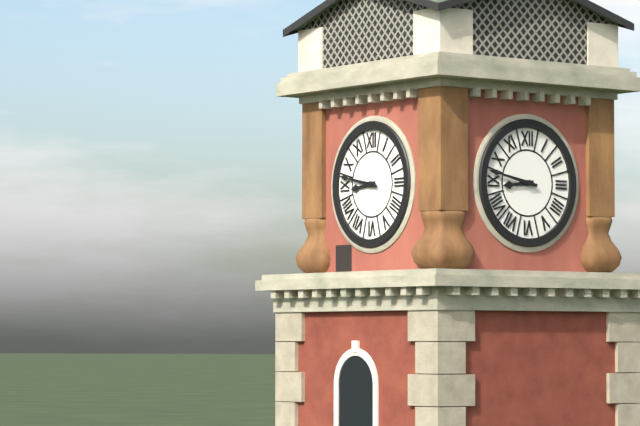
{"hour": 8, "minute": 47}
